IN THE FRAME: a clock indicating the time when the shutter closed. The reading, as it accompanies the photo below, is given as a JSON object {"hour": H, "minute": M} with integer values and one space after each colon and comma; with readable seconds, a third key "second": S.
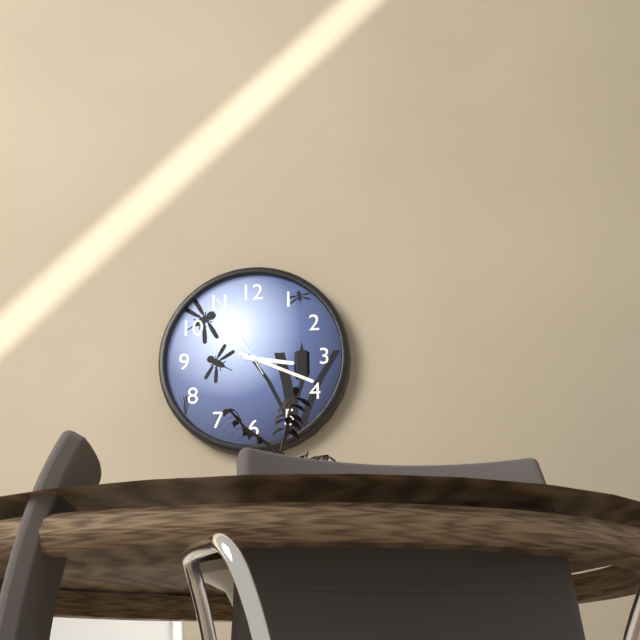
{"hour": 3, "minute": 19, "second": 55}
